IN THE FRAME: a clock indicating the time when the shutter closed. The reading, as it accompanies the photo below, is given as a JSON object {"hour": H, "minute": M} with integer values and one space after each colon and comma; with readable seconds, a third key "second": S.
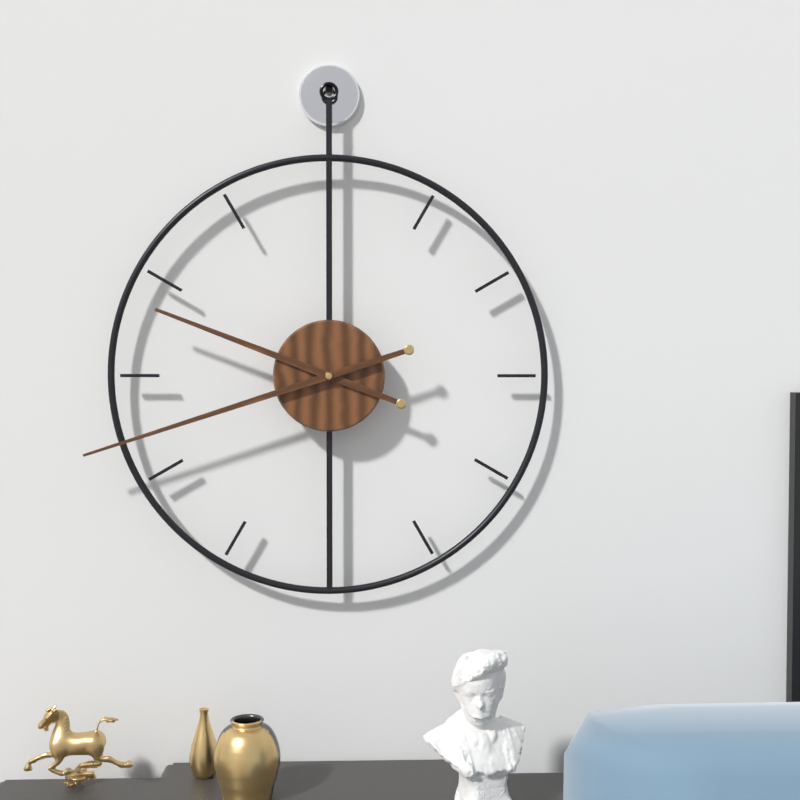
{"hour": 9, "minute": 42}
